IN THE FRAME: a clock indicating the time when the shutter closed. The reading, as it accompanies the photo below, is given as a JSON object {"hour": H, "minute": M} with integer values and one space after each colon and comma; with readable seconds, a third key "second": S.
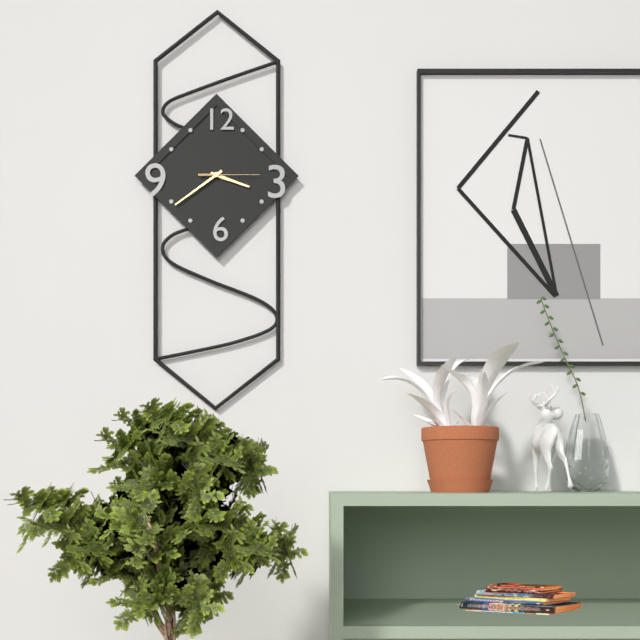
{"hour": 3, "minute": 39, "second": 15}
